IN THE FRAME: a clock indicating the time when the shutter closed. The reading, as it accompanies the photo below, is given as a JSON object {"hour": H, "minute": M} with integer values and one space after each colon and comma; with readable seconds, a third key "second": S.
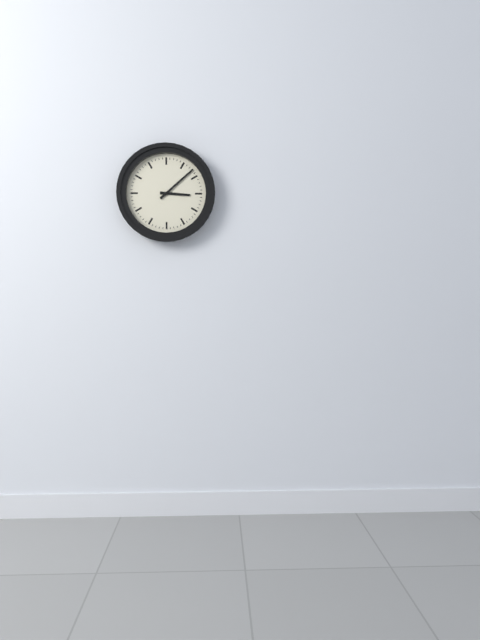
{"hour": 3, "minute": 8}
